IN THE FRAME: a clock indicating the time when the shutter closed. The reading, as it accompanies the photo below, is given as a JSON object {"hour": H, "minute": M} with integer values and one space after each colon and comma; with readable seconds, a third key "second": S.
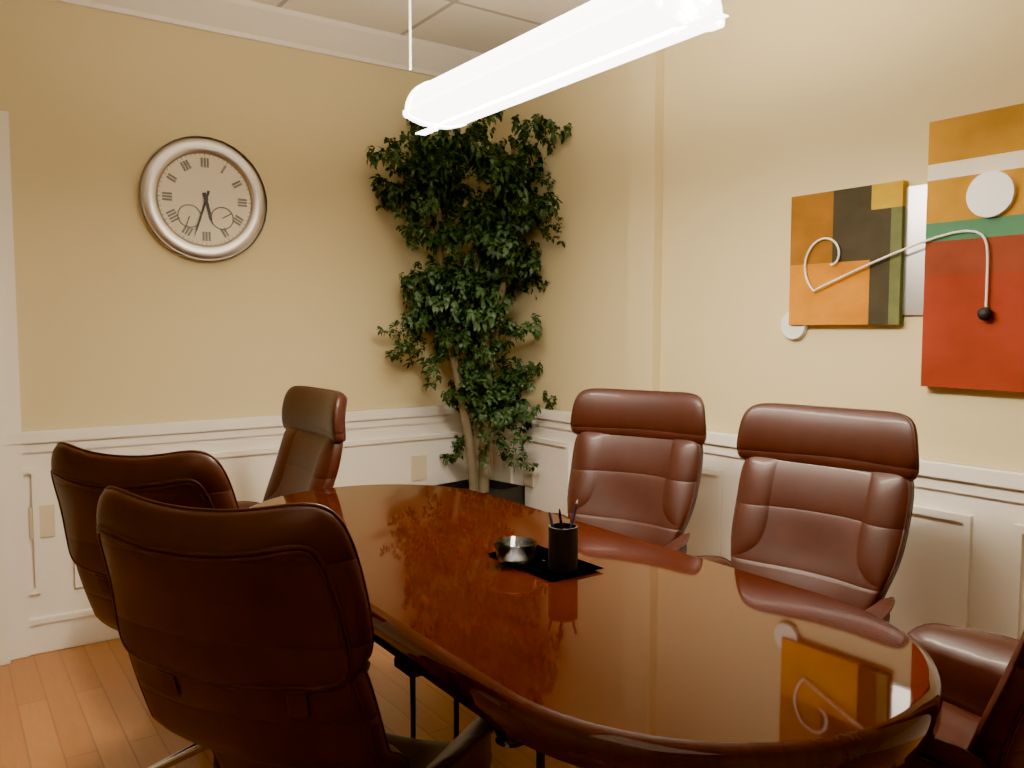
{"hour": 5, "minute": 33}
